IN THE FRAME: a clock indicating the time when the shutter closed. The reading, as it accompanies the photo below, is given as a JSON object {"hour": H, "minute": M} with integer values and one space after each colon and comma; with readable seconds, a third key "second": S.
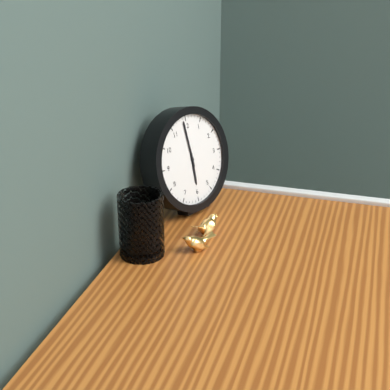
{"hour": 5, "minute": 59}
